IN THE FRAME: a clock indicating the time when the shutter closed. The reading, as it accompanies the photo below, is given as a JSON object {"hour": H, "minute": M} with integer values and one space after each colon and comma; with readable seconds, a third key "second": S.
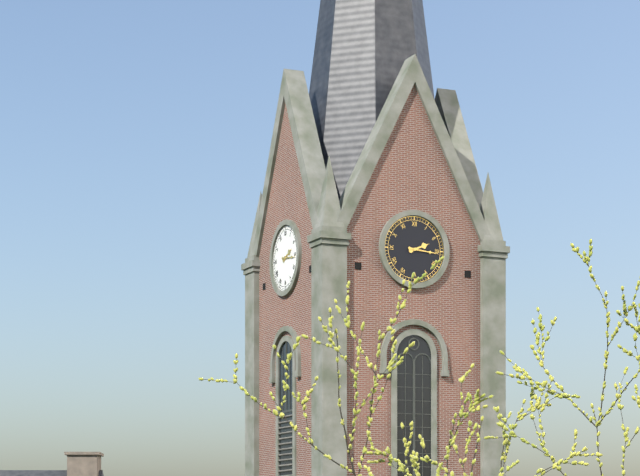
{"hour": 2, "minute": 16}
